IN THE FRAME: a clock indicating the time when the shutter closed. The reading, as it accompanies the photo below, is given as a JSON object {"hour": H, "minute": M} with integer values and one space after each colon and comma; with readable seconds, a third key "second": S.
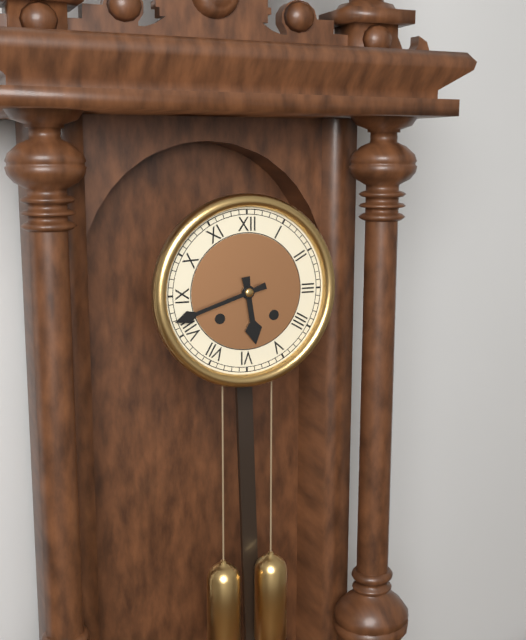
{"hour": 5, "minute": 42}
